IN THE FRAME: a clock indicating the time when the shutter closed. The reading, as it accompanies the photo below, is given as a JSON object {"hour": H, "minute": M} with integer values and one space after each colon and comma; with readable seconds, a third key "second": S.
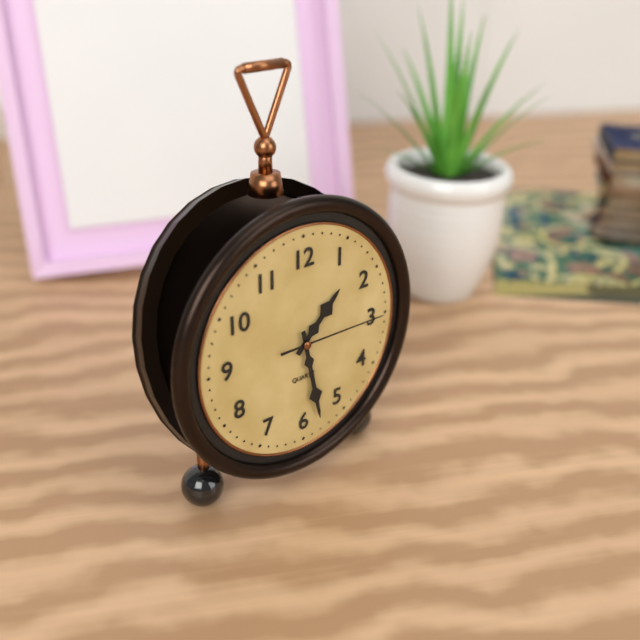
{"hour": 1, "minute": 28, "second": 15}
